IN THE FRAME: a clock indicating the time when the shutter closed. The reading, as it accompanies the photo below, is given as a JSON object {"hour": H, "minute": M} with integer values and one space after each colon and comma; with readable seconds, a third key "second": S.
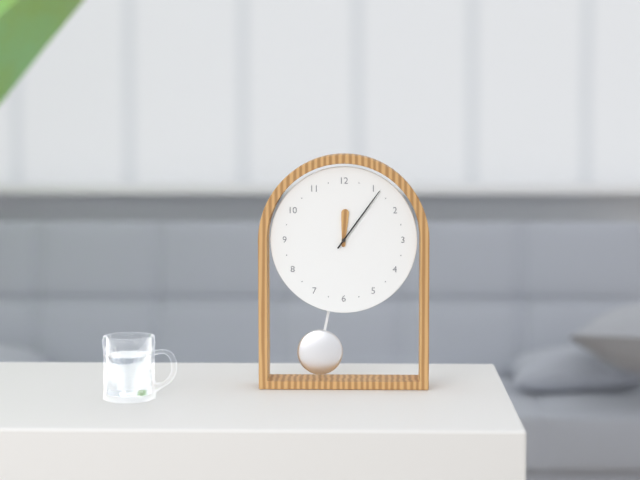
{"hour": 12, "minute": 6}
